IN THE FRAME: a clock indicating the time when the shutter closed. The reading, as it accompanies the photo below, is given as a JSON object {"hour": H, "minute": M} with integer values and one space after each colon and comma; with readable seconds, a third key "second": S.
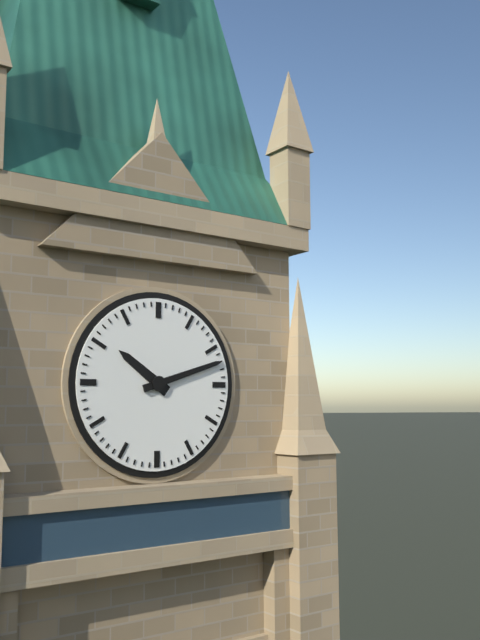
{"hour": 10, "minute": 12}
